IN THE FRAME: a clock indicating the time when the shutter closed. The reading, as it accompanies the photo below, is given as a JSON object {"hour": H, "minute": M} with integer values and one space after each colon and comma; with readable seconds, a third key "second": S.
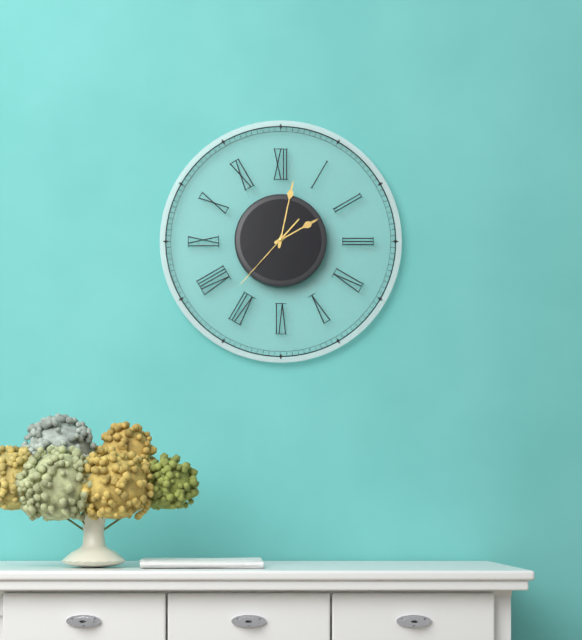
{"hour": 2, "minute": 2, "second": 37}
